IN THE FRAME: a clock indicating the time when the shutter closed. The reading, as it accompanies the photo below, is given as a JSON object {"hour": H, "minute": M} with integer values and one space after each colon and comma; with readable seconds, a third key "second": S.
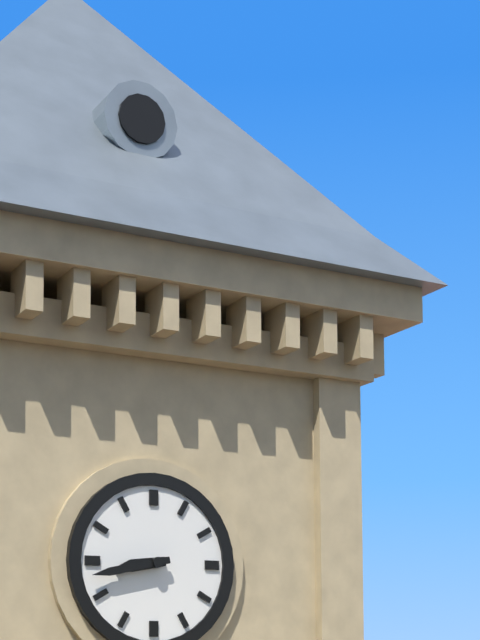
{"hour": 8, "minute": 43}
